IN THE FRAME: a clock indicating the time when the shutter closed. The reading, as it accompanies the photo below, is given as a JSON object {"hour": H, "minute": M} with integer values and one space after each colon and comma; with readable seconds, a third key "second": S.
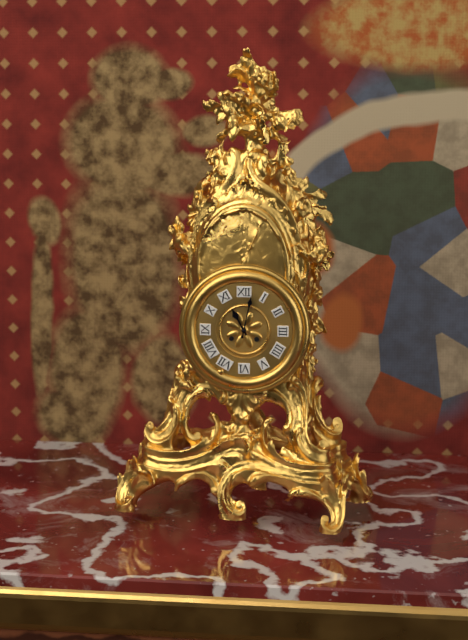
{"hour": 11, "minute": 2}
